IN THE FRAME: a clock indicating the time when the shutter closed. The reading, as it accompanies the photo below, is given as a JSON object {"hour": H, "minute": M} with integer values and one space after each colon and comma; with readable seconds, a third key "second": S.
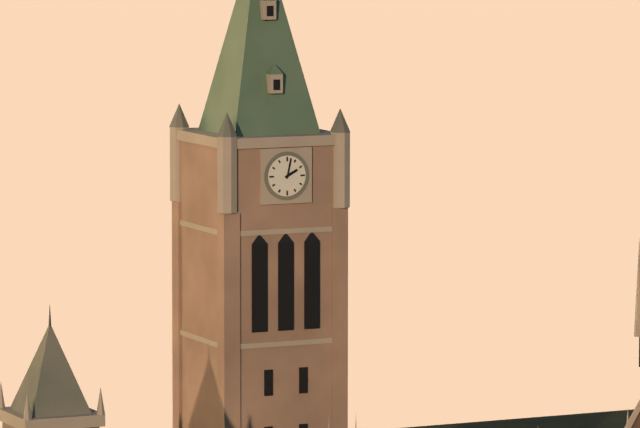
{"hour": 2, "minute": 2}
